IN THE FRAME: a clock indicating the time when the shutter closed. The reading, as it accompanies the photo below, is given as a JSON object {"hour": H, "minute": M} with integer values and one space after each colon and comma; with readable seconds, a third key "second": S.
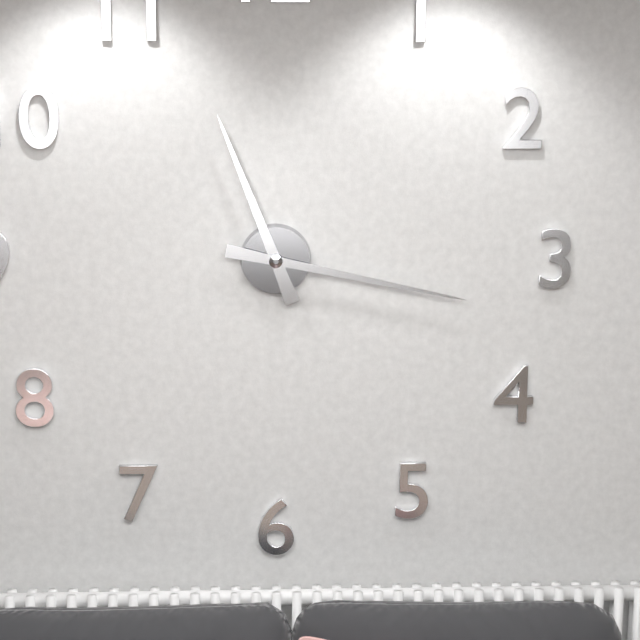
{"hour": 11, "minute": 17}
